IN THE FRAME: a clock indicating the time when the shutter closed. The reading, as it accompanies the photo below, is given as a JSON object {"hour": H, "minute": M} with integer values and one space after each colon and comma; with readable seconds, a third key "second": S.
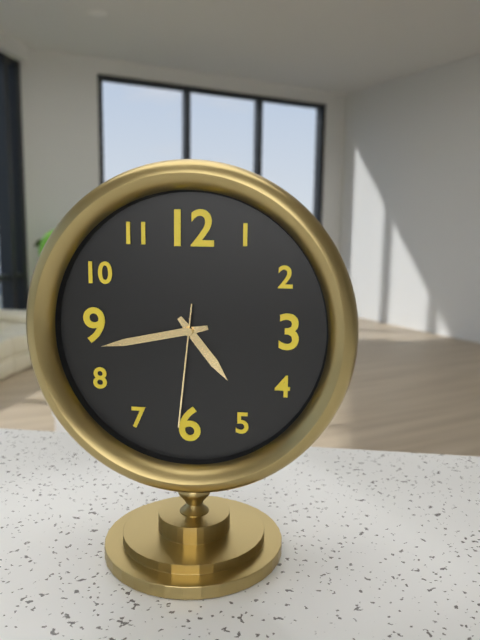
{"hour": 4, "minute": 43, "second": 31}
